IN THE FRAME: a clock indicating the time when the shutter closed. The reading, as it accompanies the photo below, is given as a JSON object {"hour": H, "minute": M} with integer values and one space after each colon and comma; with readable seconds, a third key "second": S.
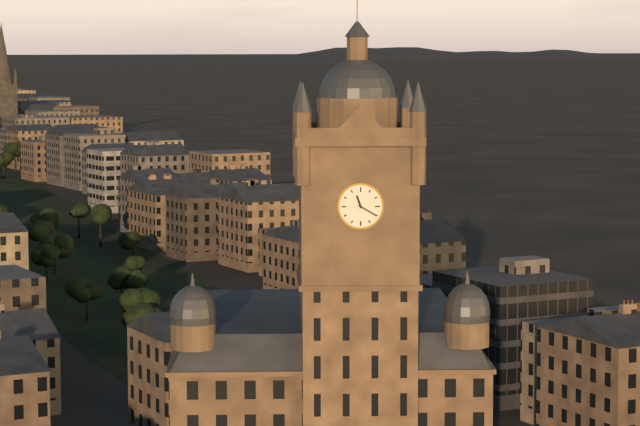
{"hour": 11, "minute": 20}
